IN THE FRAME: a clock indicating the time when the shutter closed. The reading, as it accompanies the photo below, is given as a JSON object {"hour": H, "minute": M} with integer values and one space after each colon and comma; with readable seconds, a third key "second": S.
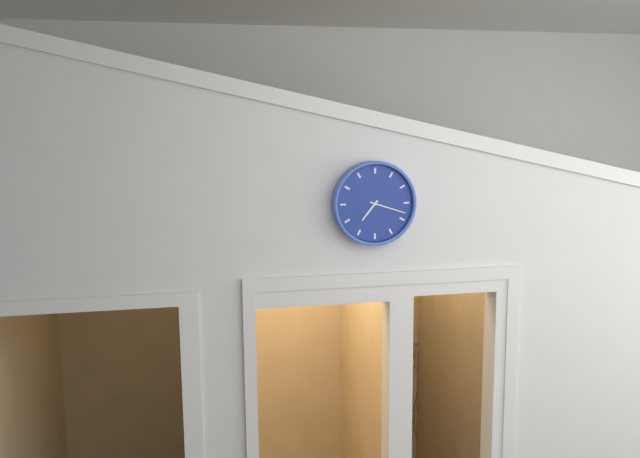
{"hour": 7, "minute": 18}
